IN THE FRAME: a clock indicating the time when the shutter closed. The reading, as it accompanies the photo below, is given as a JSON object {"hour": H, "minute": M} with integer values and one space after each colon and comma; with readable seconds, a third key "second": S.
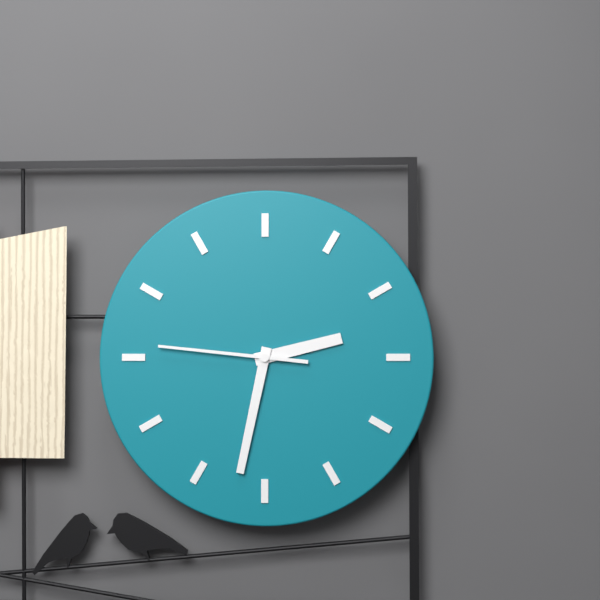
{"hour": 2, "minute": 32, "second": 46}
